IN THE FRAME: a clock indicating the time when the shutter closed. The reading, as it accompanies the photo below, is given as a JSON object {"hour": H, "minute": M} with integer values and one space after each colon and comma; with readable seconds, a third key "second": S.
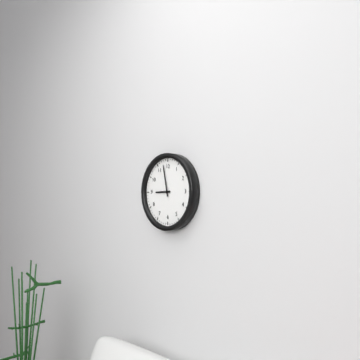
{"hour": 8, "minute": 58}
